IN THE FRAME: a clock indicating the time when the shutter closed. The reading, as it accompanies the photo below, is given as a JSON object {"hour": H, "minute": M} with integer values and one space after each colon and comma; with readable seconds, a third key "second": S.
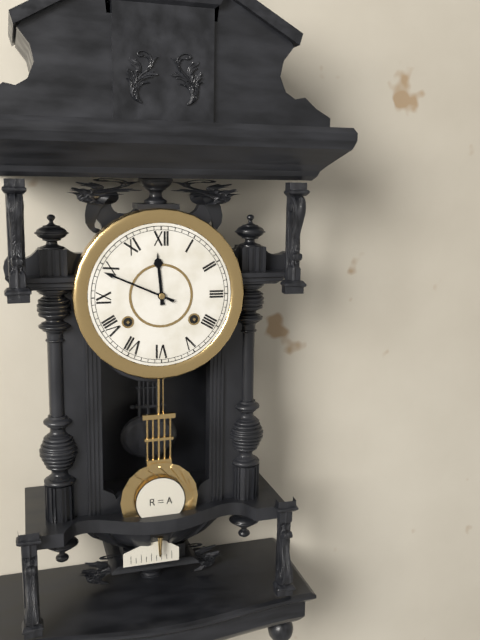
{"hour": 11, "minute": 49}
